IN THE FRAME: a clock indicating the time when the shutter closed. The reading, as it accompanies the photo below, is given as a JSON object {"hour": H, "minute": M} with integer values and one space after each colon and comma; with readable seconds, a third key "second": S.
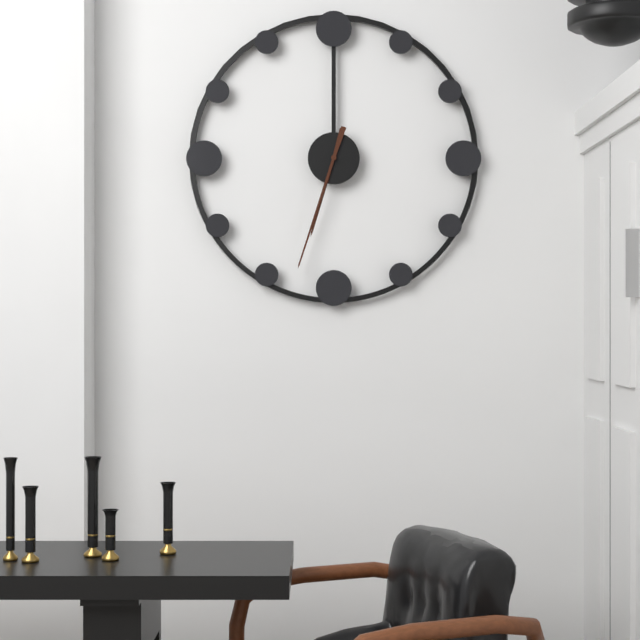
{"hour": 6, "minute": 33}
